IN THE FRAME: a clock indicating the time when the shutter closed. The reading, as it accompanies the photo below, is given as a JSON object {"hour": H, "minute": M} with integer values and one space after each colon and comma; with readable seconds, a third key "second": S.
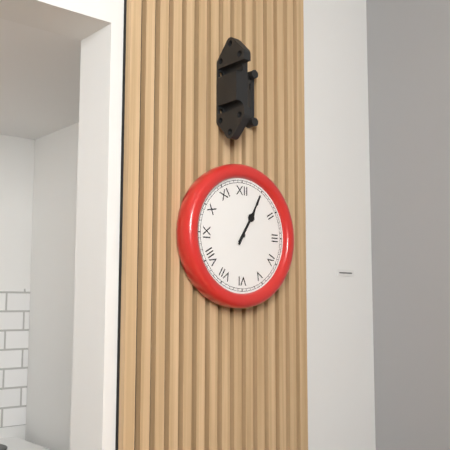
{"hour": 1, "minute": 5}
